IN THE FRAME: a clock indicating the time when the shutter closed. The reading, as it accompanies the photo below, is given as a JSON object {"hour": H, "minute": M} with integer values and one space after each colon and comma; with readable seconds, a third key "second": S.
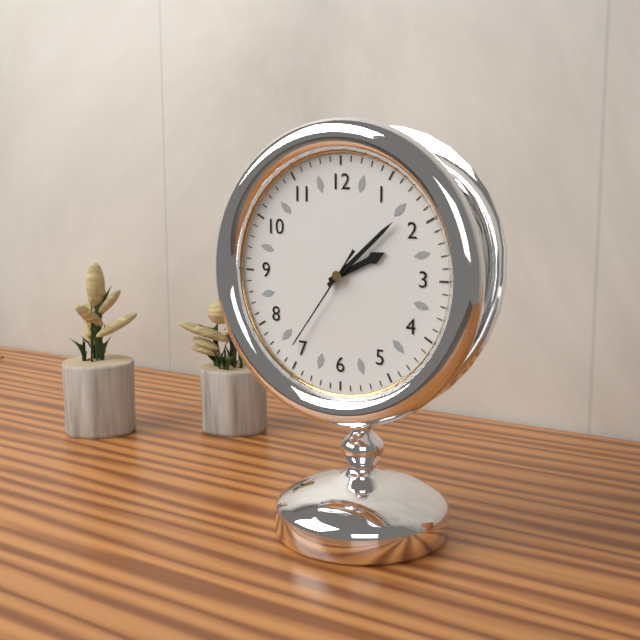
{"hour": 2, "minute": 8, "second": 36}
